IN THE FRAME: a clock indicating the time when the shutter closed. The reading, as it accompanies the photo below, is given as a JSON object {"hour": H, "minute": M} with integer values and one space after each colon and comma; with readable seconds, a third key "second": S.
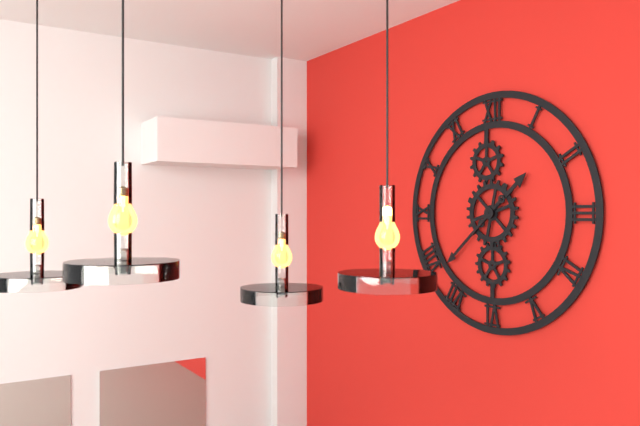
{"hour": 1, "minute": 38}
